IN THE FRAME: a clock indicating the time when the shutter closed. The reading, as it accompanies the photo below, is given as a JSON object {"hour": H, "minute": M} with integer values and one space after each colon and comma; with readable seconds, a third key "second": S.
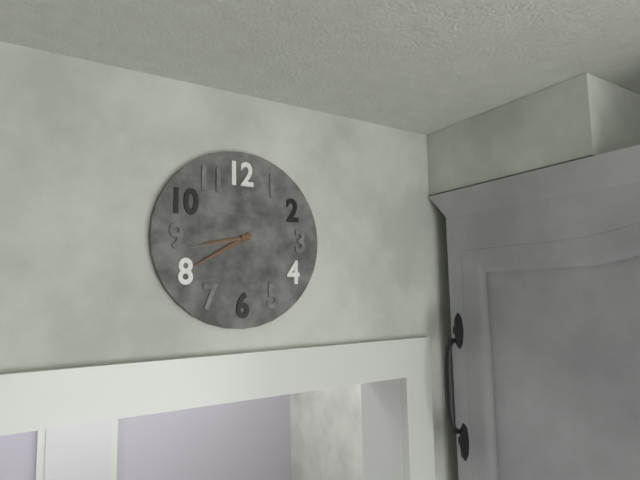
{"hour": 8, "minute": 40, "second": 43}
